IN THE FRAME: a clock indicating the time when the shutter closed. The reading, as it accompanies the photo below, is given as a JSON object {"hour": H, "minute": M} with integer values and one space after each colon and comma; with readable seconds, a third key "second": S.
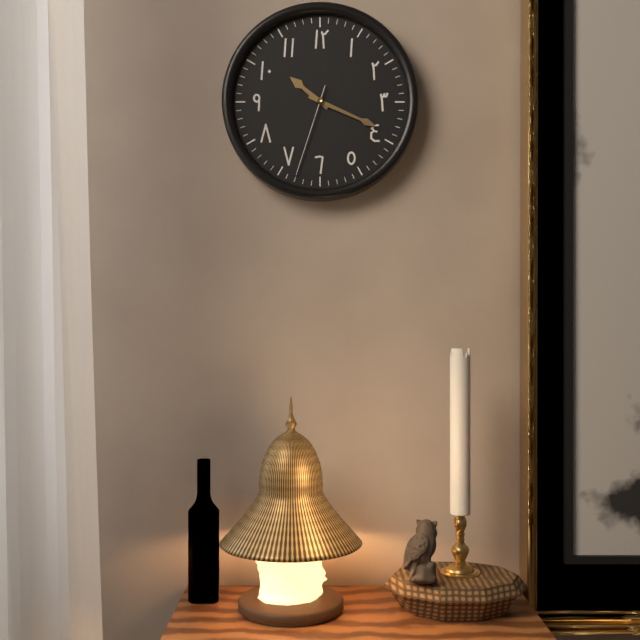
{"hour": 10, "minute": 19, "second": 33}
